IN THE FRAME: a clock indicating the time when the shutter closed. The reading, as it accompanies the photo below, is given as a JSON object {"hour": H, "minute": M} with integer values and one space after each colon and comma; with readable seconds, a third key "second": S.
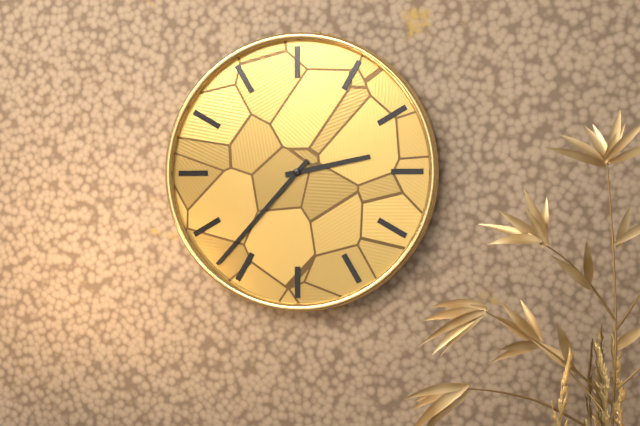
{"hour": 2, "minute": 37}
